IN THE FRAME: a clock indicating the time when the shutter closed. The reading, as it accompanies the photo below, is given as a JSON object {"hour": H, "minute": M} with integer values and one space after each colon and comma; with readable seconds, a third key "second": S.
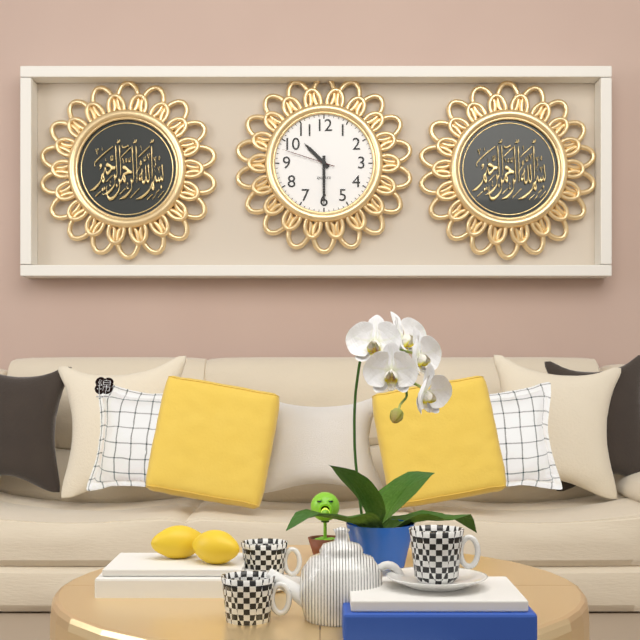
{"hour": 10, "minute": 30, "second": 48}
